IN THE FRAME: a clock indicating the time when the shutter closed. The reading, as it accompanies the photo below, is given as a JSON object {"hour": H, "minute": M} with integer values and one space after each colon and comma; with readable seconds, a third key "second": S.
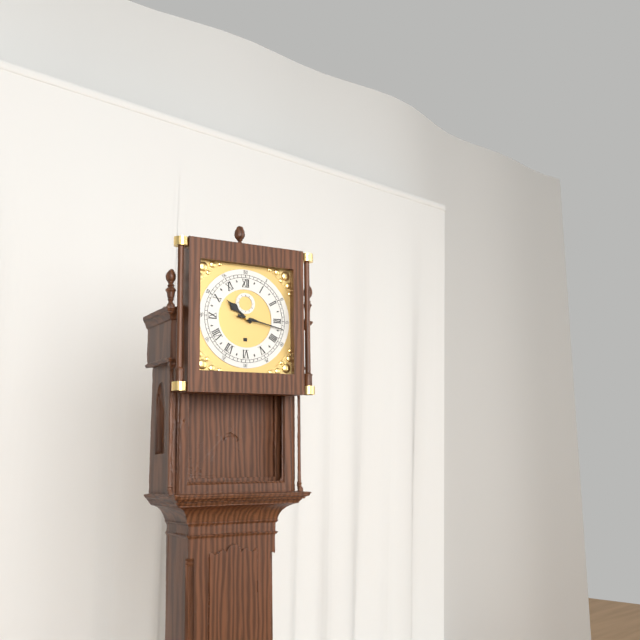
{"hour": 10, "minute": 17}
